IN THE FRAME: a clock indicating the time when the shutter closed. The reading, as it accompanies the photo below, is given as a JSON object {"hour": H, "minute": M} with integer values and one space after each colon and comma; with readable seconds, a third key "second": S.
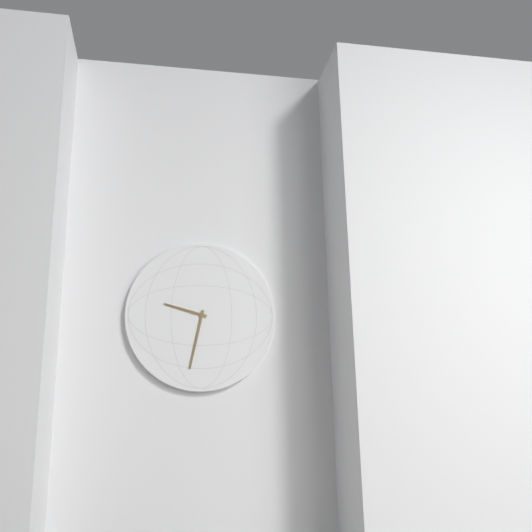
{"hour": 9, "minute": 32}
